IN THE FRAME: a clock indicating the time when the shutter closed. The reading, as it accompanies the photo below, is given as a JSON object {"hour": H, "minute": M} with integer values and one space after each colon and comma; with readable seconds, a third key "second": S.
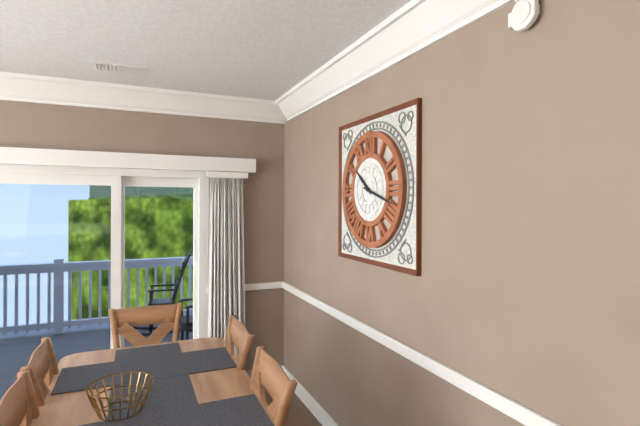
{"hour": 10, "minute": 18}
